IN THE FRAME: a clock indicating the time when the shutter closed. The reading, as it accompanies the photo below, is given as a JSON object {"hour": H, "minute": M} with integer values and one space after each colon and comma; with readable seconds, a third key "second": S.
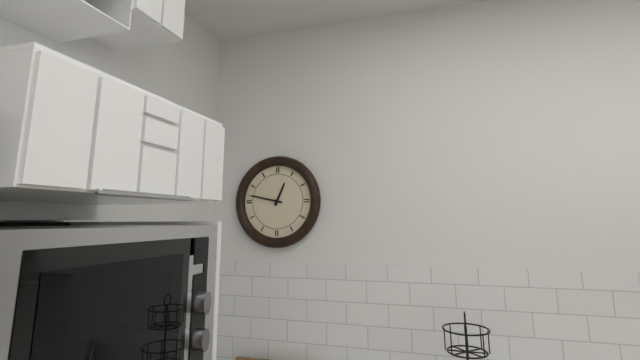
{"hour": 12, "minute": 47}
